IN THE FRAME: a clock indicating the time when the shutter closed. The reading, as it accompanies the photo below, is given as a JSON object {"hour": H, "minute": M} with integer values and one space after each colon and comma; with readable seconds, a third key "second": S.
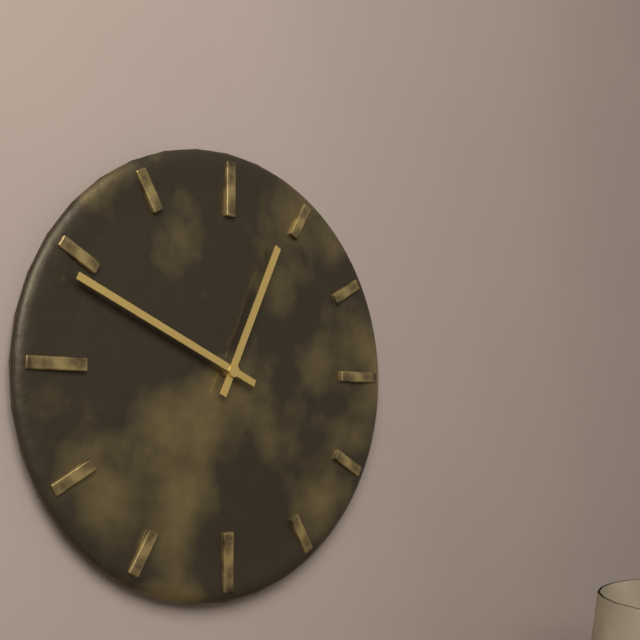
{"hour": 12, "minute": 49}
